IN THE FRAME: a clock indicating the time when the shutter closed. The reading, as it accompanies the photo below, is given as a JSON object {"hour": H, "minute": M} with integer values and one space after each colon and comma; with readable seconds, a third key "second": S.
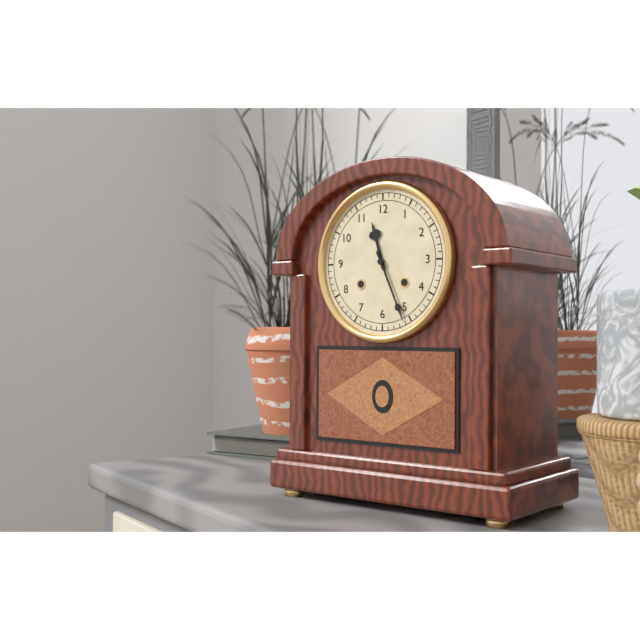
{"hour": 11, "minute": 26}
